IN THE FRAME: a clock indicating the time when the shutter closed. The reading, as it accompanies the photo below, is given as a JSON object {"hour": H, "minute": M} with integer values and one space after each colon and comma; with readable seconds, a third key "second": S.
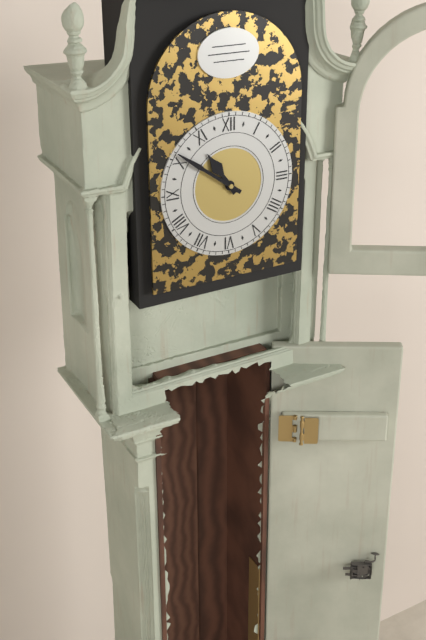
{"hour": 10, "minute": 51}
